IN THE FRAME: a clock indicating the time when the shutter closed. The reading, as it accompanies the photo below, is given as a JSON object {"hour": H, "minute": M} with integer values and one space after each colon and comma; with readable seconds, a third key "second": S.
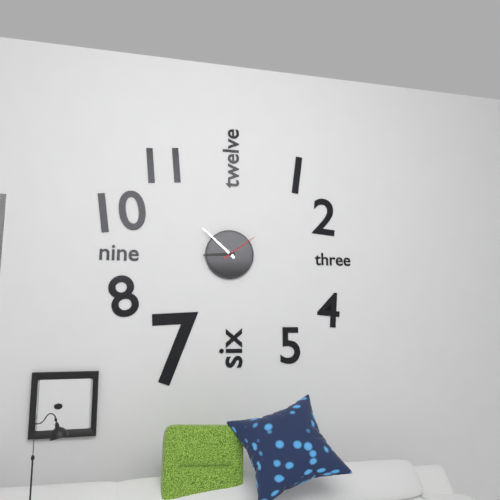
{"hour": 8, "minute": 52}
